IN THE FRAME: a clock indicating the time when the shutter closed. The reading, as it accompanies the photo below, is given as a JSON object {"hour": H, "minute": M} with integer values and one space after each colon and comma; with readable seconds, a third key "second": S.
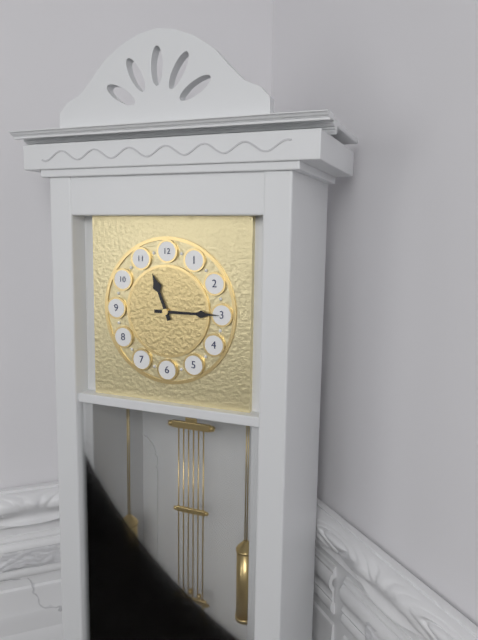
{"hour": 11, "minute": 15}
